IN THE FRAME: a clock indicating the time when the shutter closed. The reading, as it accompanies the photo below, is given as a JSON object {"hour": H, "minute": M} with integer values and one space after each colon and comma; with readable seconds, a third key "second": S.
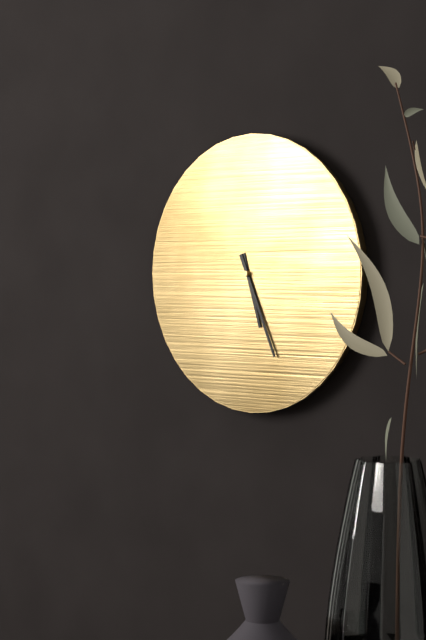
{"hour": 5, "minute": 26}
